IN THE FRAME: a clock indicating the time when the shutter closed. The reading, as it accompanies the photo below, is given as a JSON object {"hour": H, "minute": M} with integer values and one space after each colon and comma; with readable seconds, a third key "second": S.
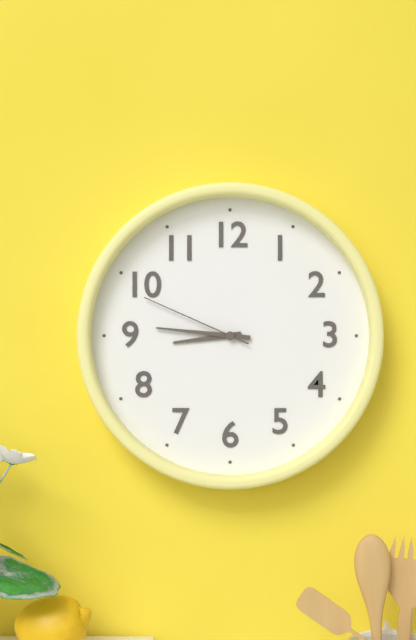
{"hour": 8, "minute": 46, "second": 49}
